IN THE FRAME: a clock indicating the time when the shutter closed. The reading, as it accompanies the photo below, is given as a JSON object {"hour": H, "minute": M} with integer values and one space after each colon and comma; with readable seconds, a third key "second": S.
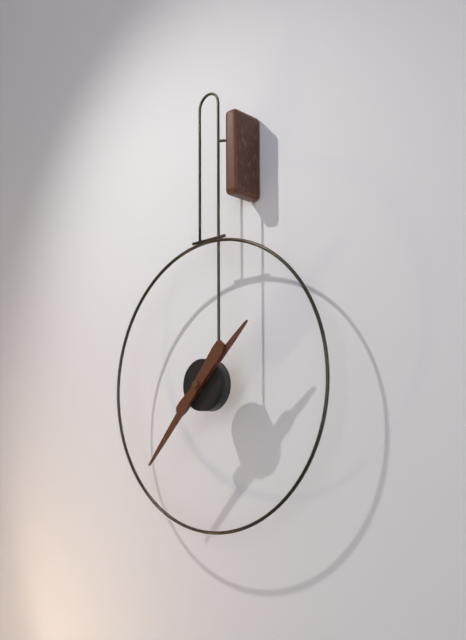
{"hour": 1, "minute": 37}
